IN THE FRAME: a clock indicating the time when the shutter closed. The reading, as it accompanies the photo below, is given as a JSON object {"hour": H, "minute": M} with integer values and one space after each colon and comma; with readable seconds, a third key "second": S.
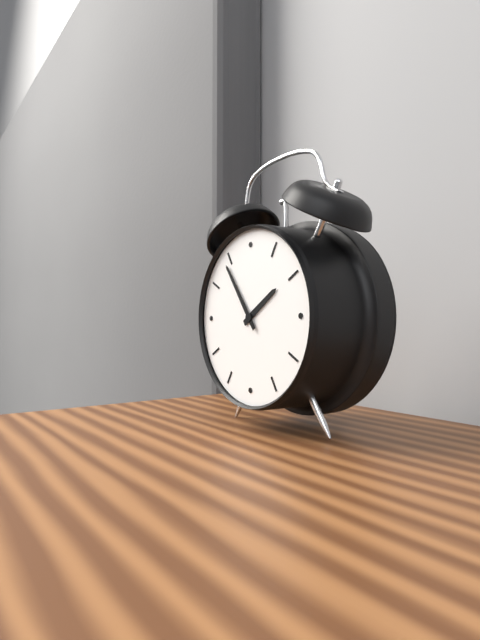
{"hour": 1, "minute": 54}
